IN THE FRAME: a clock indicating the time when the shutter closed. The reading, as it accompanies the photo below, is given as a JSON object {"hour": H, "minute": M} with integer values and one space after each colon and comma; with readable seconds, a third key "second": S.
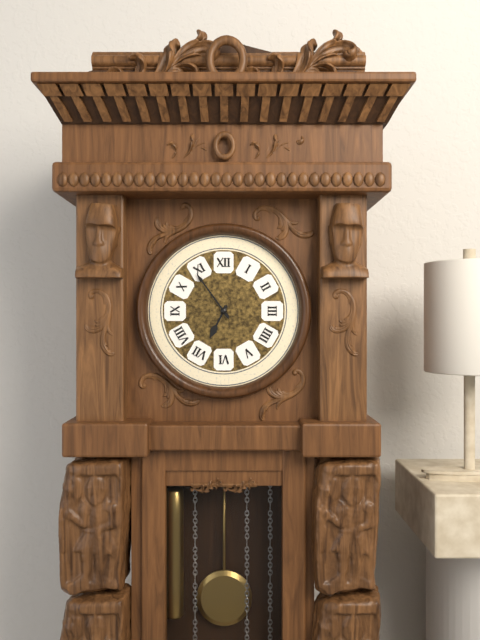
{"hour": 6, "minute": 54}
